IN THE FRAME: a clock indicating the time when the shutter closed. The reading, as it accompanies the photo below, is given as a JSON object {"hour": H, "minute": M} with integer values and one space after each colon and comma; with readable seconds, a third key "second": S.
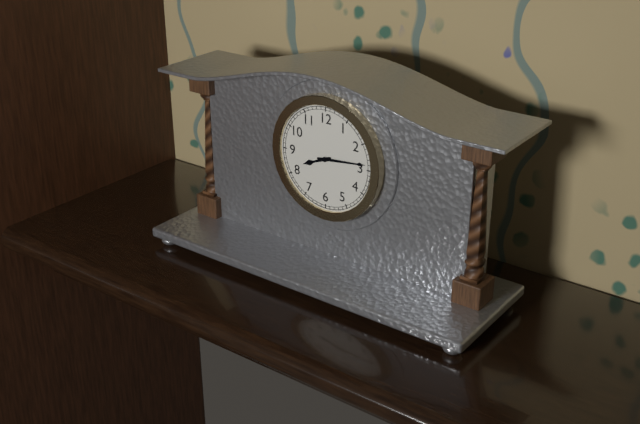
{"hour": 8, "minute": 14}
